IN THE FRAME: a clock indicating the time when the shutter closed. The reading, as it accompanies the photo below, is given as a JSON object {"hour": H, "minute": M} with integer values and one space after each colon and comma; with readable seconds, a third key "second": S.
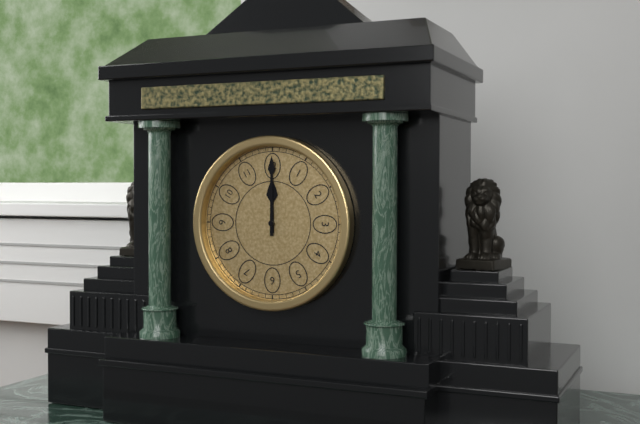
{"hour": 12, "minute": 0}
